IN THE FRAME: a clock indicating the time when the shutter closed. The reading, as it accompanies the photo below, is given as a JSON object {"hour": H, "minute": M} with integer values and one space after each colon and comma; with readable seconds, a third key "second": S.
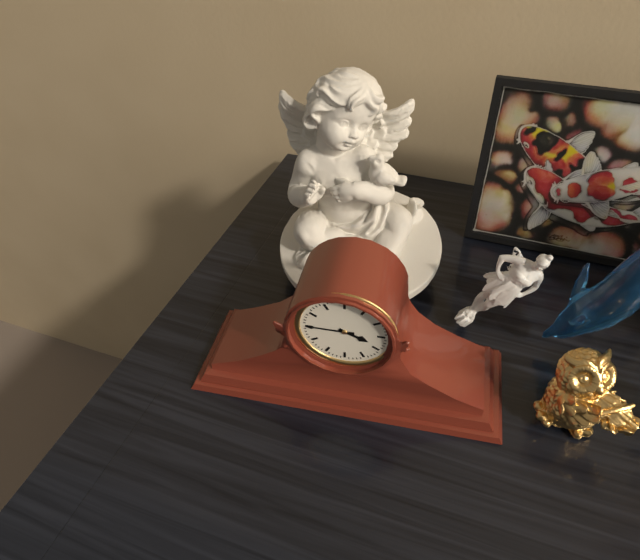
{"hour": 3, "minute": 45}
